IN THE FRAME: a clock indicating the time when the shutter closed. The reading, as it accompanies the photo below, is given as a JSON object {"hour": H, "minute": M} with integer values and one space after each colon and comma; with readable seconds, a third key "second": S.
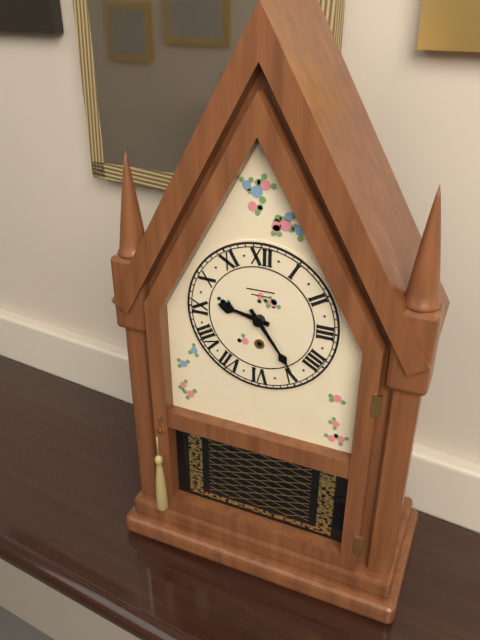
{"hour": 9, "minute": 24}
